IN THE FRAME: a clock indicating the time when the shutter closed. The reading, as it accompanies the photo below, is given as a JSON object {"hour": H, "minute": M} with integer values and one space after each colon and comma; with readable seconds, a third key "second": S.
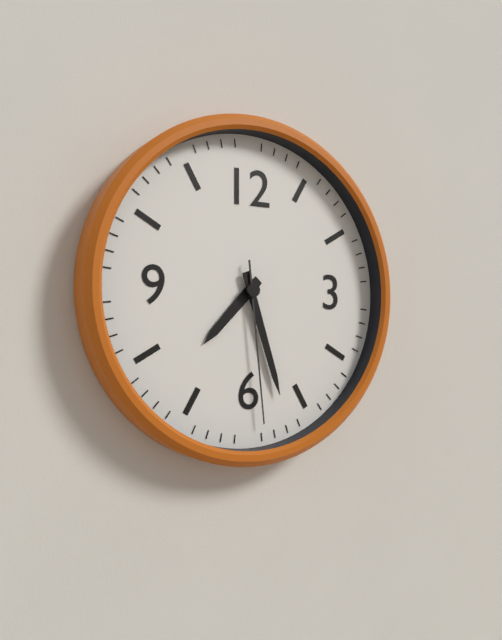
{"hour": 7, "minute": 27, "second": 29}
